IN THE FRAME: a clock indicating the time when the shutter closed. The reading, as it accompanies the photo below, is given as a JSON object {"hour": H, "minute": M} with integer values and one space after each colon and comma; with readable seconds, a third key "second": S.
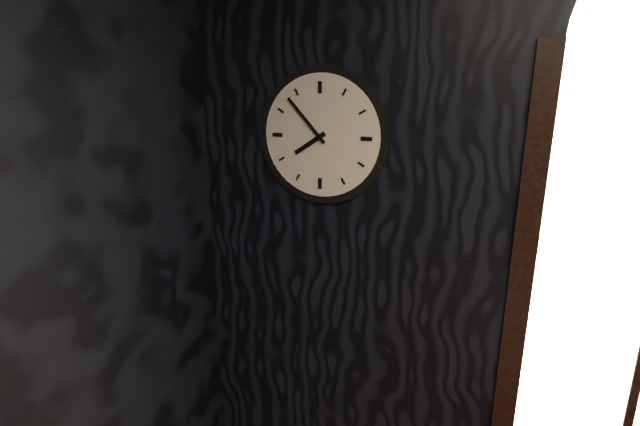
{"hour": 7, "minute": 53}
